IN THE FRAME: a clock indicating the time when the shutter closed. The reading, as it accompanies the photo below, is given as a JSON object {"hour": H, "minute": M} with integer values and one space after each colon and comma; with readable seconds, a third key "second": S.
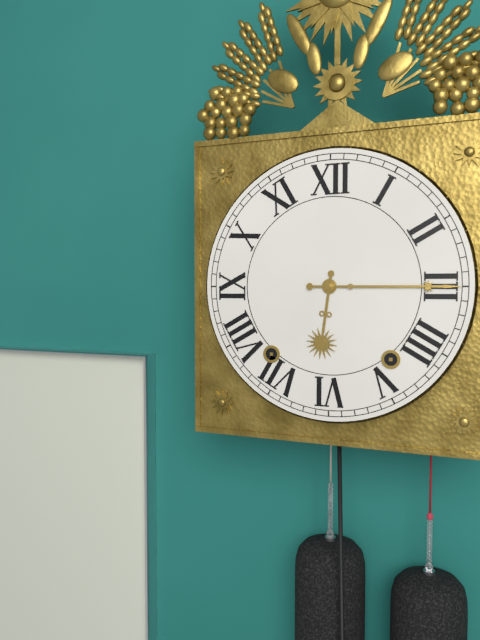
{"hour": 6, "minute": 15}
